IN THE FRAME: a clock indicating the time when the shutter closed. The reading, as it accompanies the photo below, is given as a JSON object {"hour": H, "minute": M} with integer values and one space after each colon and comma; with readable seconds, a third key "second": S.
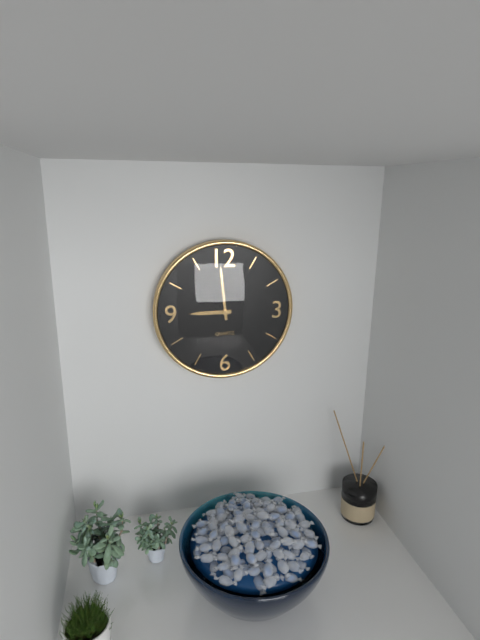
{"hour": 8, "minute": 59}
